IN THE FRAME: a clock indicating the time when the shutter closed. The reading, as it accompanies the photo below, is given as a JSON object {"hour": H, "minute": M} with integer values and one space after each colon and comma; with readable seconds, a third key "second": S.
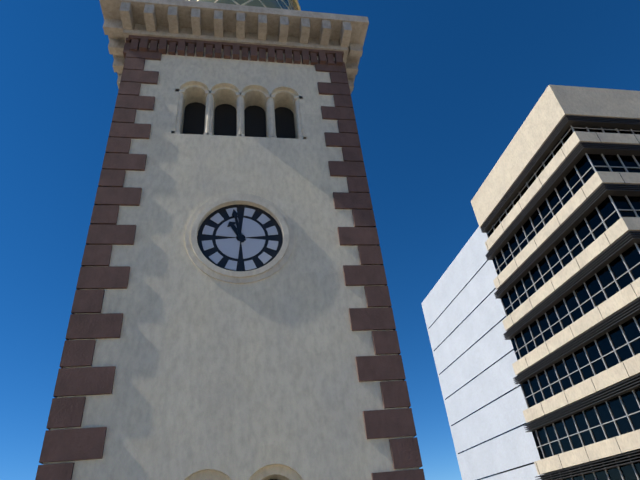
{"hour": 10, "minute": 58}
